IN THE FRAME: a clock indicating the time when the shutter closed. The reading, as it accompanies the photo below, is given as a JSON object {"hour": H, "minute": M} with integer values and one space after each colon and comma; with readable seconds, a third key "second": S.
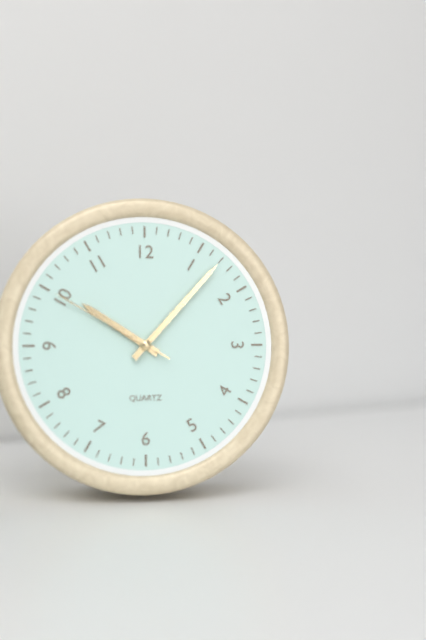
{"hour": 10, "minute": 7, "second": 50}
